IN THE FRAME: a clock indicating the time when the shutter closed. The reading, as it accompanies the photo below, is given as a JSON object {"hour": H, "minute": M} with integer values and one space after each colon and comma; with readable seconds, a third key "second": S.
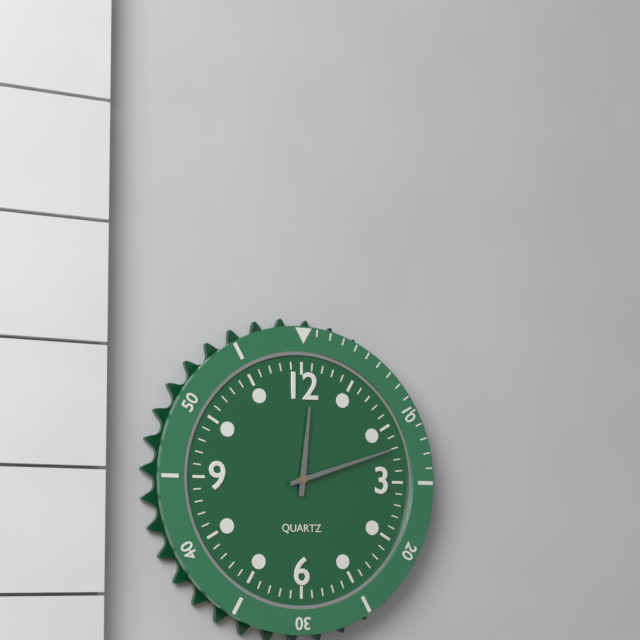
{"hour": 12, "minute": 12}
